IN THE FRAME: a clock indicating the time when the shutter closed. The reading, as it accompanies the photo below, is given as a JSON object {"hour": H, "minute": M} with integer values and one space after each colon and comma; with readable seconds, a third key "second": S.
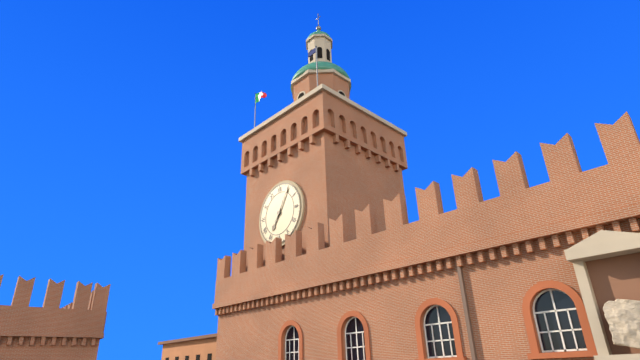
{"hour": 7, "minute": 5}
